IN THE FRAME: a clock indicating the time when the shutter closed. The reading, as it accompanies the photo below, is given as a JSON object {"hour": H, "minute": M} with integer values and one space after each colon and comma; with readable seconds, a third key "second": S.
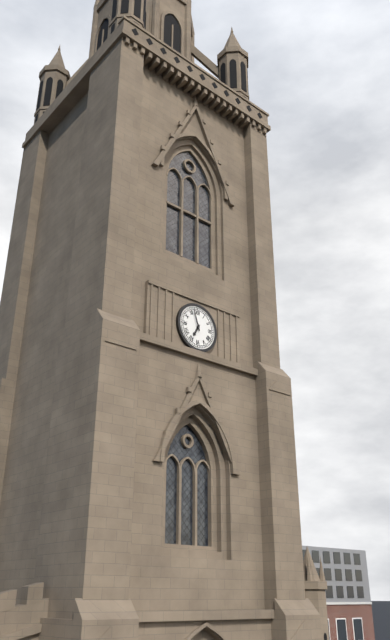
{"hour": 6, "minute": 57}
